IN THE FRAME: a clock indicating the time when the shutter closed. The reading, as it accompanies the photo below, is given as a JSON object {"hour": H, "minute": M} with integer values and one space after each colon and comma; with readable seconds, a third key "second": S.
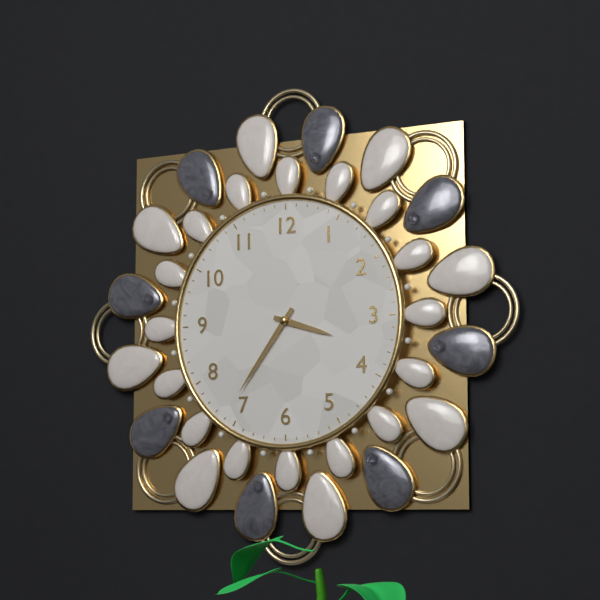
{"hour": 3, "minute": 36}
